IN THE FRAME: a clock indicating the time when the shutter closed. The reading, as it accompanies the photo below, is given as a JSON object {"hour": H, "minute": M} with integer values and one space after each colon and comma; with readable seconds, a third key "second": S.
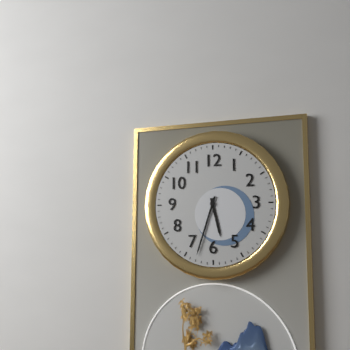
{"hour": 5, "minute": 33}
